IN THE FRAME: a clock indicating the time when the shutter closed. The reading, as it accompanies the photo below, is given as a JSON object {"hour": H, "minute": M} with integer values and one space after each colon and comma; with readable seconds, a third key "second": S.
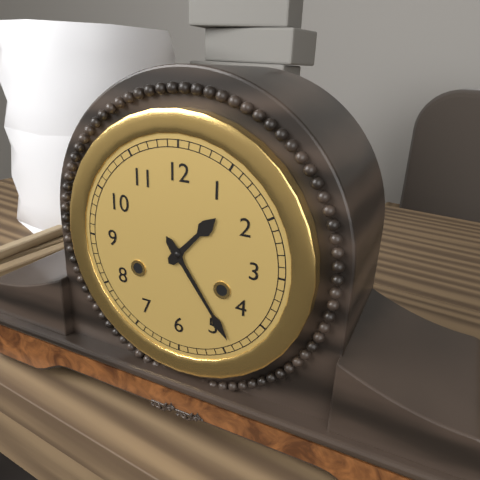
{"hour": 1, "minute": 24}
